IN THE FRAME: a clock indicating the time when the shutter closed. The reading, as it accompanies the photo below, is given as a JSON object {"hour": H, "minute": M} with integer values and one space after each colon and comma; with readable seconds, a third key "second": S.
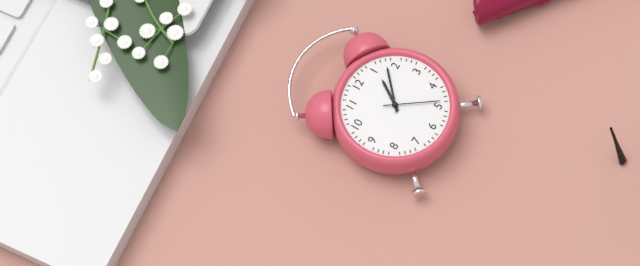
{"hour": 1, "minute": 8, "second": 24}
